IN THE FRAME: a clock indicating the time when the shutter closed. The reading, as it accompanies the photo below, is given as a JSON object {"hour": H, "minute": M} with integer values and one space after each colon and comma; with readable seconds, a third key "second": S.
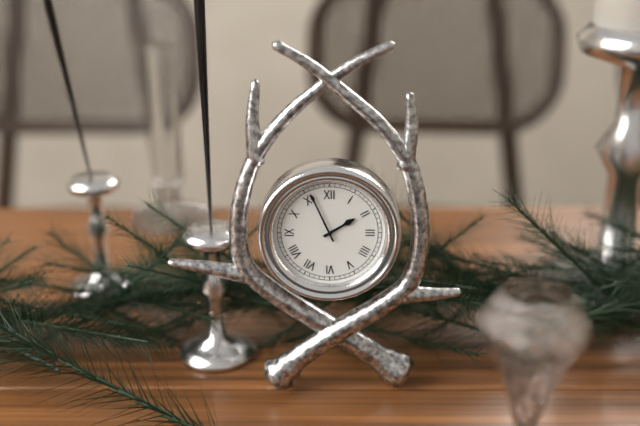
{"hour": 1, "minute": 56}
